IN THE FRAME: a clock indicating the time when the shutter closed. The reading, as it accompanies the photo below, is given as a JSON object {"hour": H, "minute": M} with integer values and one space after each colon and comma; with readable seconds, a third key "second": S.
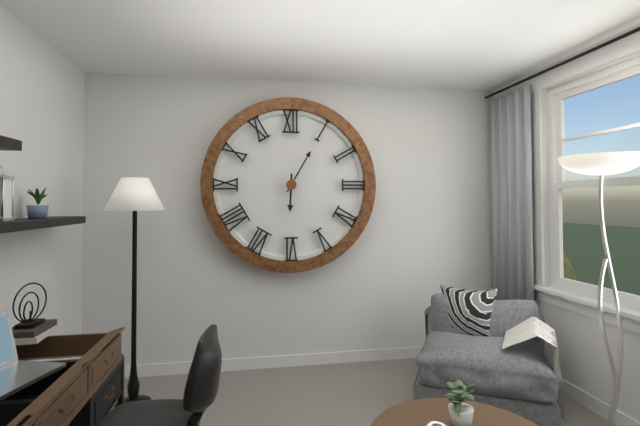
{"hour": 6, "minute": 5}
